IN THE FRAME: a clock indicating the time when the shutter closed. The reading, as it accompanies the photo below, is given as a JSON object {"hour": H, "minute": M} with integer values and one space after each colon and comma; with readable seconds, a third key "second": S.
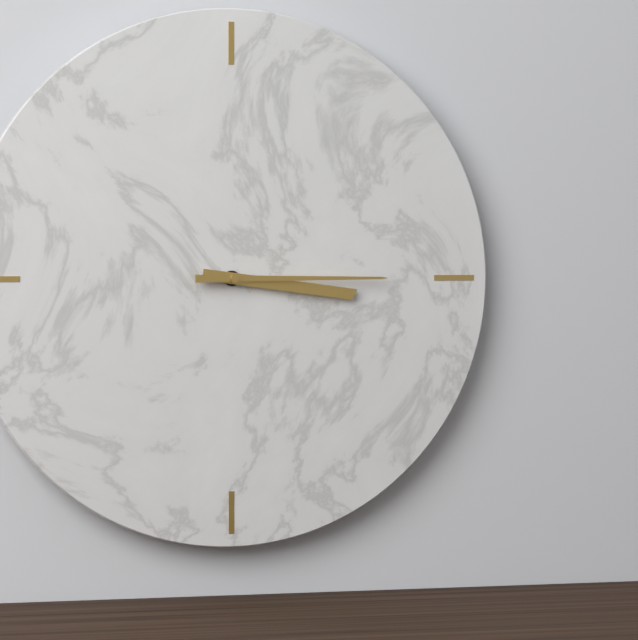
{"hour": 3, "minute": 15}
